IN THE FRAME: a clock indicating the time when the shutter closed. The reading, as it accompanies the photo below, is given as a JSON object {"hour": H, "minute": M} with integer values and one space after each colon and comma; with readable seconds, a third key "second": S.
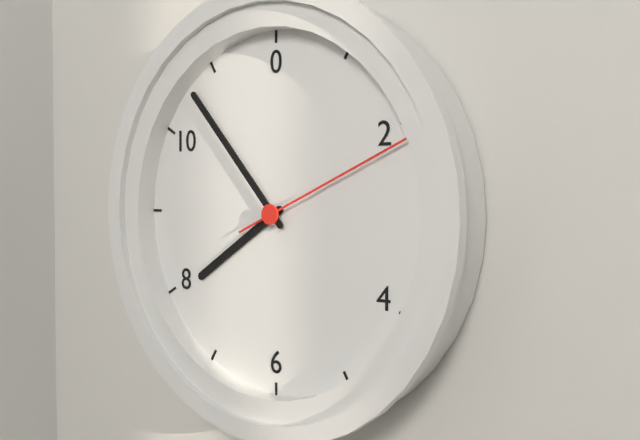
{"hour": 7, "minute": 53, "second": 11}
